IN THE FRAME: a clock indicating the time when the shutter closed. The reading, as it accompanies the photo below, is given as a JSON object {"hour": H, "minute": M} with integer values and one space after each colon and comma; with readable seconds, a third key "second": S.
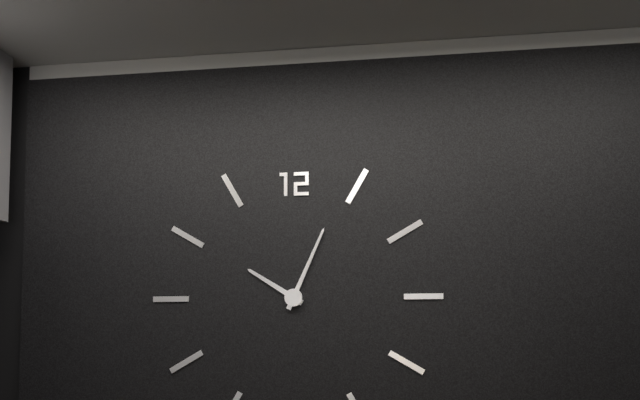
{"hour": 10, "minute": 4}
